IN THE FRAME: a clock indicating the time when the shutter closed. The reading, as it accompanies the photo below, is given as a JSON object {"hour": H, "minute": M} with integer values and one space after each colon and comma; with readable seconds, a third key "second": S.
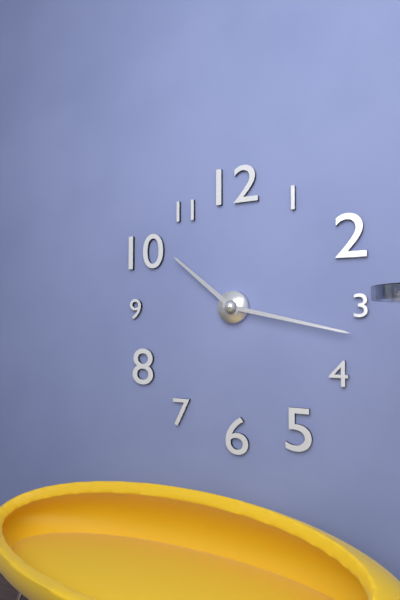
{"hour": 10, "minute": 17}
